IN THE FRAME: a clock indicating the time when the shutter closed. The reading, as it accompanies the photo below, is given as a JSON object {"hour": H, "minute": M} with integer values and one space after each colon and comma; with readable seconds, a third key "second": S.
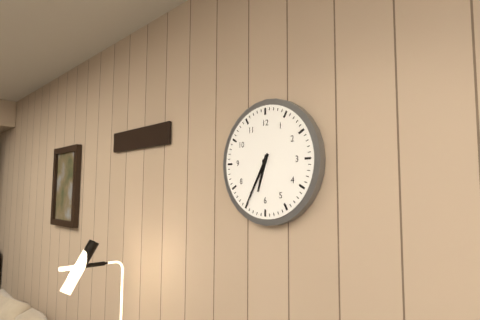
{"hour": 6, "minute": 35}
